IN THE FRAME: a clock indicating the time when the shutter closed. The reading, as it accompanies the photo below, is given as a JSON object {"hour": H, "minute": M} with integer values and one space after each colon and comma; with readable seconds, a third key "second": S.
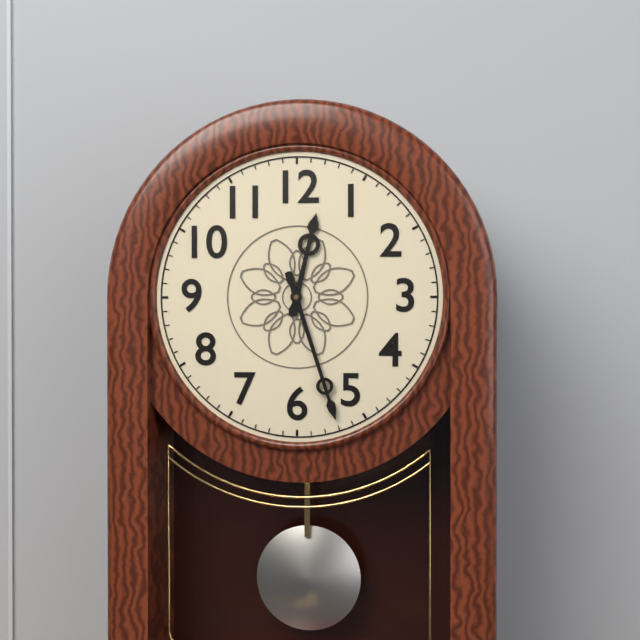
{"hour": 12, "minute": 27}
